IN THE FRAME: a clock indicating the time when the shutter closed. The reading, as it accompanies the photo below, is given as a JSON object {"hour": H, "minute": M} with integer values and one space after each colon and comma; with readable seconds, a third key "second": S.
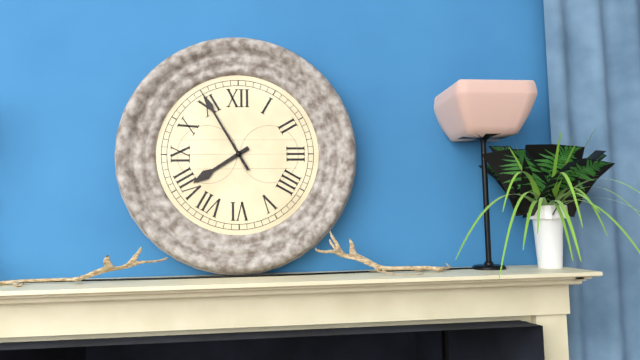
{"hour": 7, "minute": 55}
